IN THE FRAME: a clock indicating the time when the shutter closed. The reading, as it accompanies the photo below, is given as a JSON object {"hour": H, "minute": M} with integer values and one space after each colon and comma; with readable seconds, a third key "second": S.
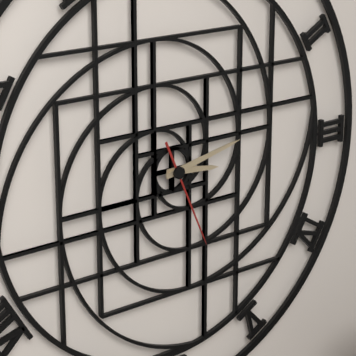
{"hour": 3, "minute": 13, "second": 26}
